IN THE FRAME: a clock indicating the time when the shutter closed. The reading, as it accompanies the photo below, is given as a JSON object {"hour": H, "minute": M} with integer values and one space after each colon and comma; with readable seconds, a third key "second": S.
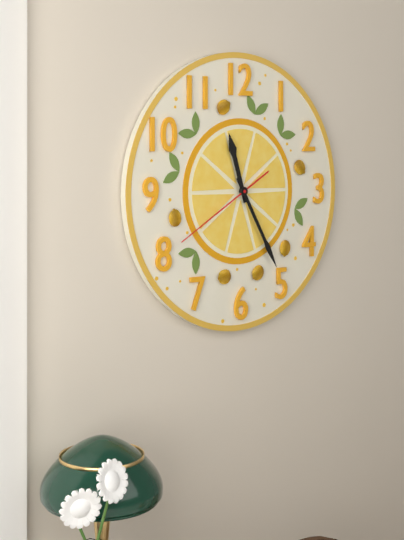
{"hour": 11, "minute": 25, "second": 40}
